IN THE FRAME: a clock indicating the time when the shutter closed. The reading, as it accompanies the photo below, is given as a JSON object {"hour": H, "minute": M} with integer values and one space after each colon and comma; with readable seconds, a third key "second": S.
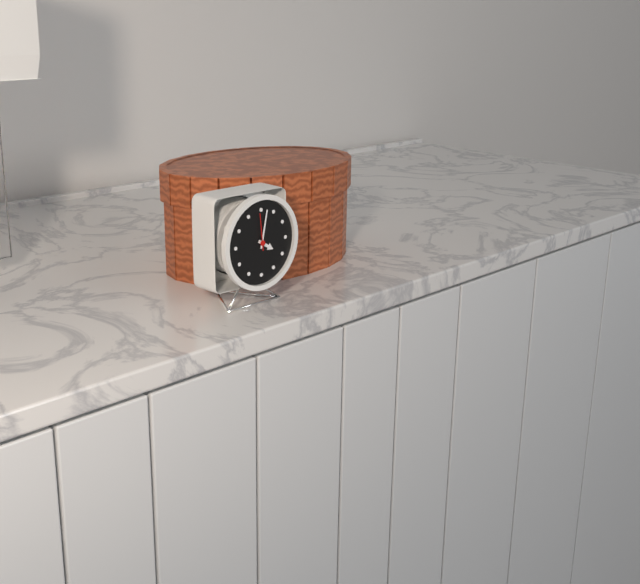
{"hour": 4, "minute": 2}
